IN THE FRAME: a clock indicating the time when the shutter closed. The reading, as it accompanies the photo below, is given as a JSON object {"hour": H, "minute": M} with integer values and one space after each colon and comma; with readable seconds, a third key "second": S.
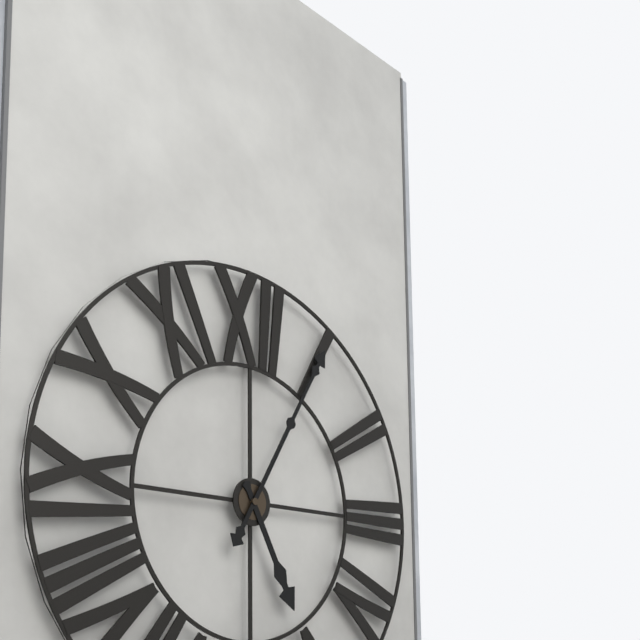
{"hour": 5, "minute": 5}
